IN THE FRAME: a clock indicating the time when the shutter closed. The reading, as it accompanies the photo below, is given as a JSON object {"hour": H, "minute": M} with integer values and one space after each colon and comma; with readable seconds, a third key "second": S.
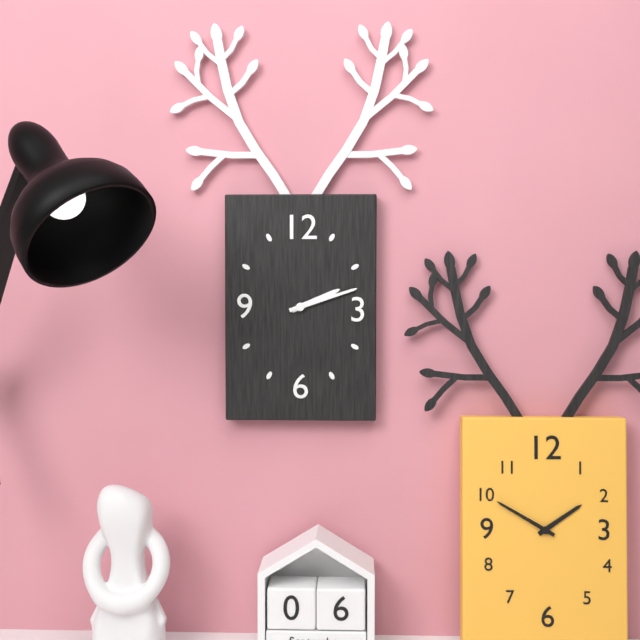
{"hour": 2, "minute": 12}
